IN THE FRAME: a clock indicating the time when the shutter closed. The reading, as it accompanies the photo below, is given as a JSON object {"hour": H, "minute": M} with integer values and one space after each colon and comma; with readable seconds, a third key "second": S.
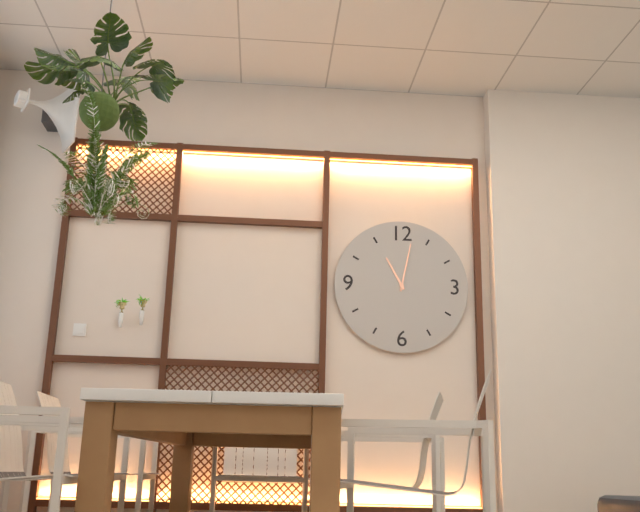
{"hour": 11, "minute": 2}
